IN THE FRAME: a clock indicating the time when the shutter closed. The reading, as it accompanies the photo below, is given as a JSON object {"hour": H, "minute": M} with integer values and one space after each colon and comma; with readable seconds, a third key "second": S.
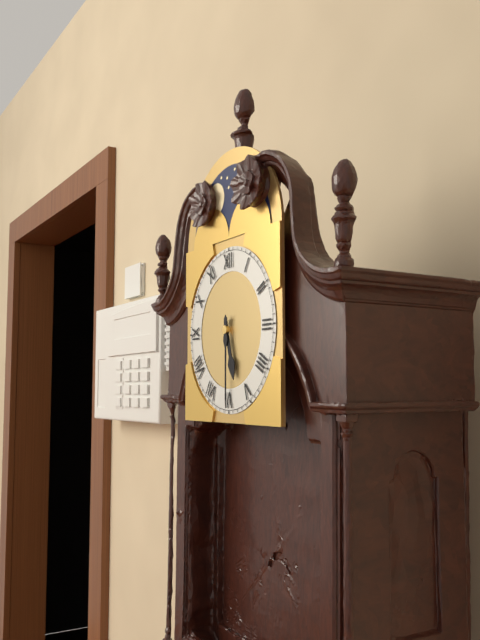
{"hour": 5, "minute": 30}
